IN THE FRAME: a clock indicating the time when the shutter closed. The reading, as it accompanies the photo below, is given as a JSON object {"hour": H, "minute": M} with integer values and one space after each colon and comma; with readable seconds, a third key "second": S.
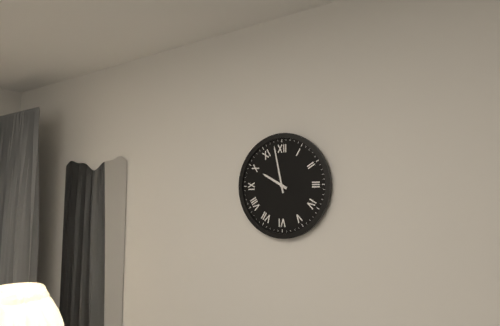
{"hour": 9, "minute": 58}
